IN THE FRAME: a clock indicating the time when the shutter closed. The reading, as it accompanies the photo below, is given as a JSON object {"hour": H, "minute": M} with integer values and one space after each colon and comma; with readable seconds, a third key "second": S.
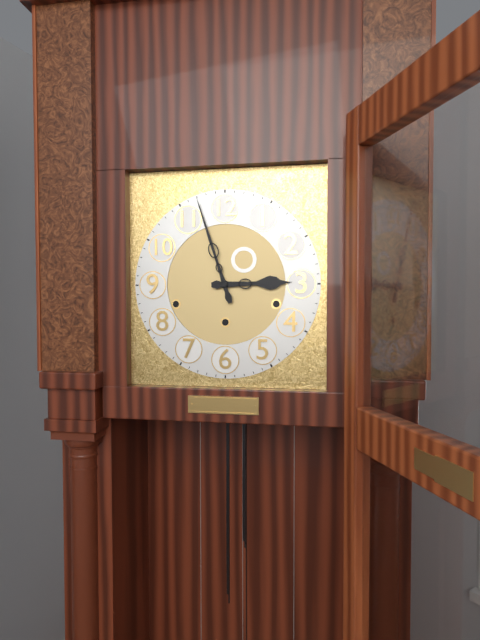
{"hour": 2, "minute": 57}
